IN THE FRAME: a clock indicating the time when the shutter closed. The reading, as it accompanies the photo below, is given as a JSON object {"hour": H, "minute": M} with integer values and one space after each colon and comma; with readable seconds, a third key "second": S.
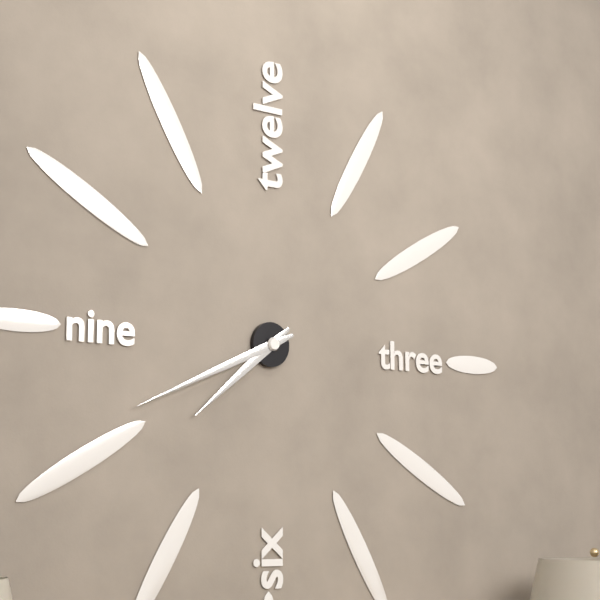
{"hour": 7, "minute": 41}
